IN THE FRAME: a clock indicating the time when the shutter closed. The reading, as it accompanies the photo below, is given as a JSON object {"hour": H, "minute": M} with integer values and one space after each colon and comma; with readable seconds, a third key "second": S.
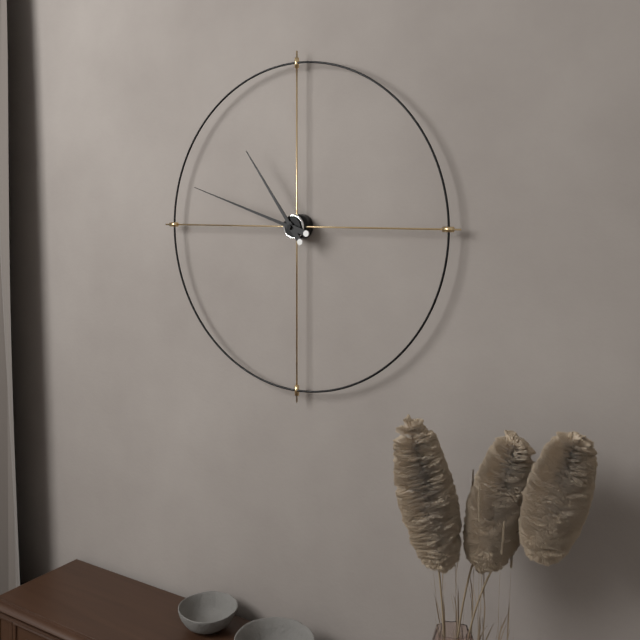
{"hour": 10, "minute": 48}
